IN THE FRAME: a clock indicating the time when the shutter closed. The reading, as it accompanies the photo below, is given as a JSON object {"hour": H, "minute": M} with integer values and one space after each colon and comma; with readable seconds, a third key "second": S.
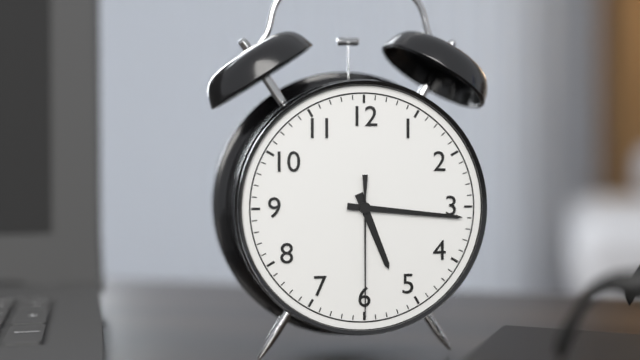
{"hour": 5, "minute": 16, "second": 30}
